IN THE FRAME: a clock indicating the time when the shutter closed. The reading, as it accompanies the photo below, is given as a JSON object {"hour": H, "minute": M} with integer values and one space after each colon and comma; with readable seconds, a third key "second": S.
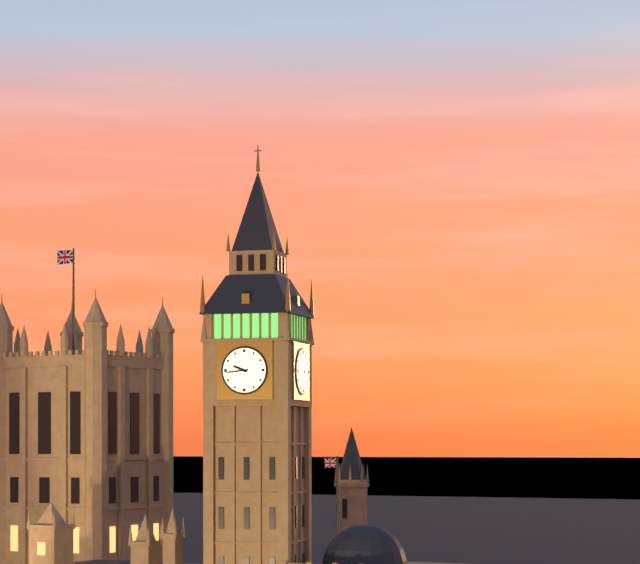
{"hour": 9, "minute": 44}
